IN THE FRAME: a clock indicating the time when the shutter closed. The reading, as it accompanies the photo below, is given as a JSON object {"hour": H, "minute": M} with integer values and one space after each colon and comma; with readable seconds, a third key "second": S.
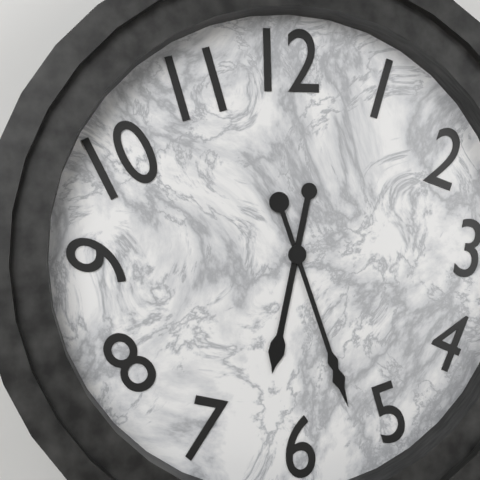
{"hour": 6, "minute": 27}
